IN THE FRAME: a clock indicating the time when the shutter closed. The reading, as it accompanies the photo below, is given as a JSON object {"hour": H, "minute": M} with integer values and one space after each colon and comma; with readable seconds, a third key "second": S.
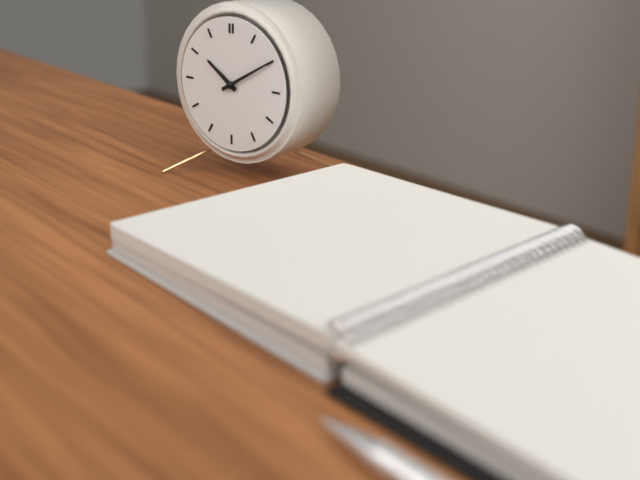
{"hour": 10, "minute": 10}
